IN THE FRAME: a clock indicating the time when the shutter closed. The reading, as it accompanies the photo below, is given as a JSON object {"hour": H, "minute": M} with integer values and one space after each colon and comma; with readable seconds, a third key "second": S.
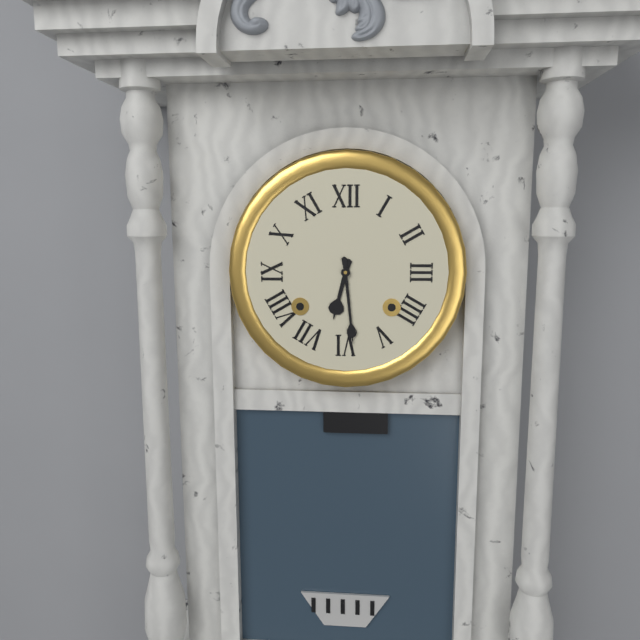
{"hour": 6, "minute": 29}
